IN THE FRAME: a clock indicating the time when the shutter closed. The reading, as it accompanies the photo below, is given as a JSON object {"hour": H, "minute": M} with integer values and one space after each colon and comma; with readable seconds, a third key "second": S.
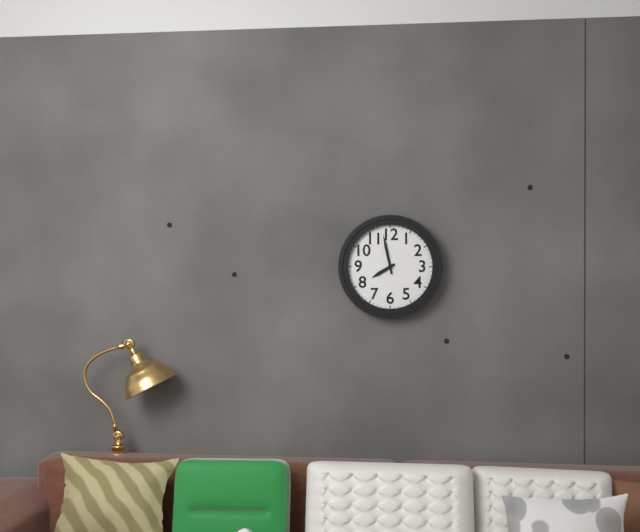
{"hour": 7, "minute": 58}
